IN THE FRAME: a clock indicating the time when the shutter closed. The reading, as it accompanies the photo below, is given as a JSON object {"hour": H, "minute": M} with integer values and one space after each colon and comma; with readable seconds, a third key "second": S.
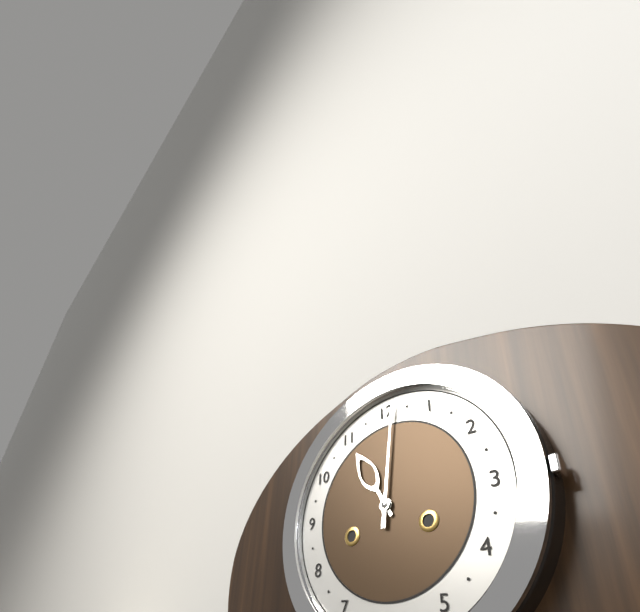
{"hour": 11, "minute": 1}
